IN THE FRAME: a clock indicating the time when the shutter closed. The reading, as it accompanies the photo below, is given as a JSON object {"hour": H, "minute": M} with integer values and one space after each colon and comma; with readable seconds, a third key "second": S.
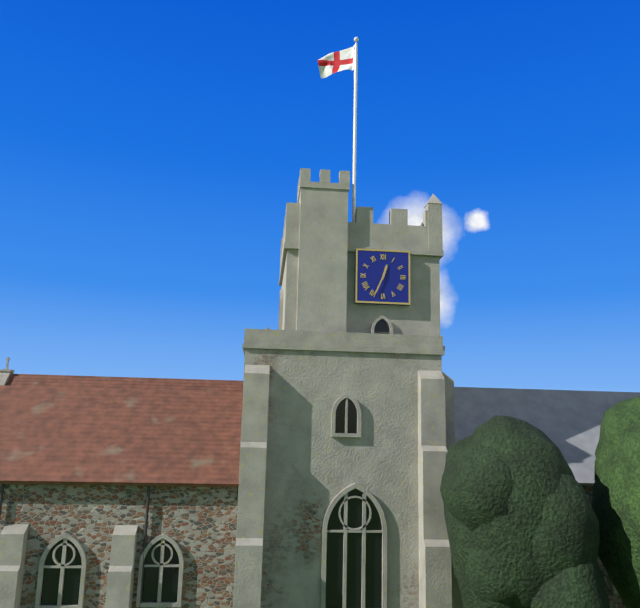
{"hour": 12, "minute": 34}
